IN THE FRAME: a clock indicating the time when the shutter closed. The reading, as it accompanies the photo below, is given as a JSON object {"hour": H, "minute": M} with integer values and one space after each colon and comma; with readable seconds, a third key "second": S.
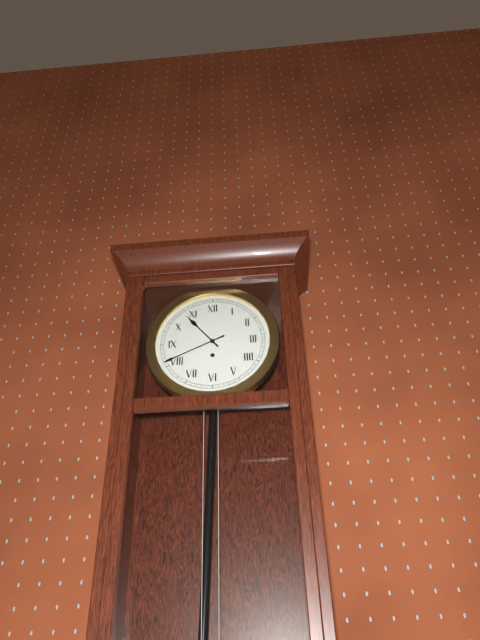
{"hour": 10, "minute": 41}
